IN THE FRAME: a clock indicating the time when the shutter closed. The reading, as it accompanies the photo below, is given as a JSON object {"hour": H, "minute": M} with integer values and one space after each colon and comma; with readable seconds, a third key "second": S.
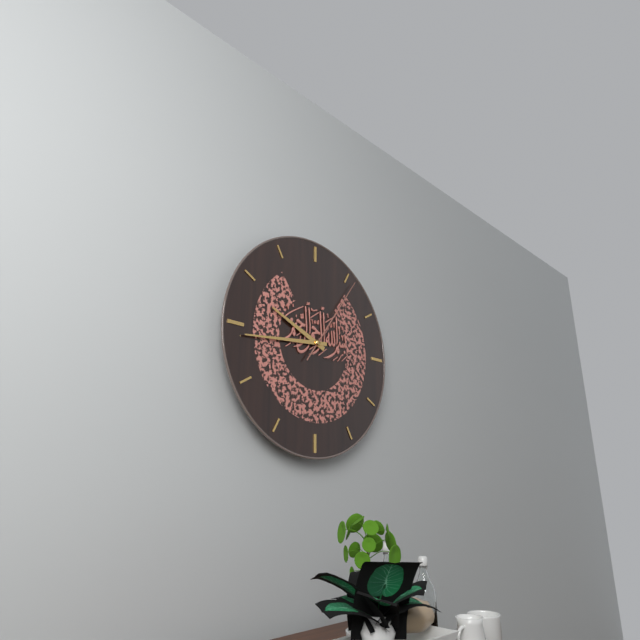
{"hour": 9, "minute": 44, "second": 6}
